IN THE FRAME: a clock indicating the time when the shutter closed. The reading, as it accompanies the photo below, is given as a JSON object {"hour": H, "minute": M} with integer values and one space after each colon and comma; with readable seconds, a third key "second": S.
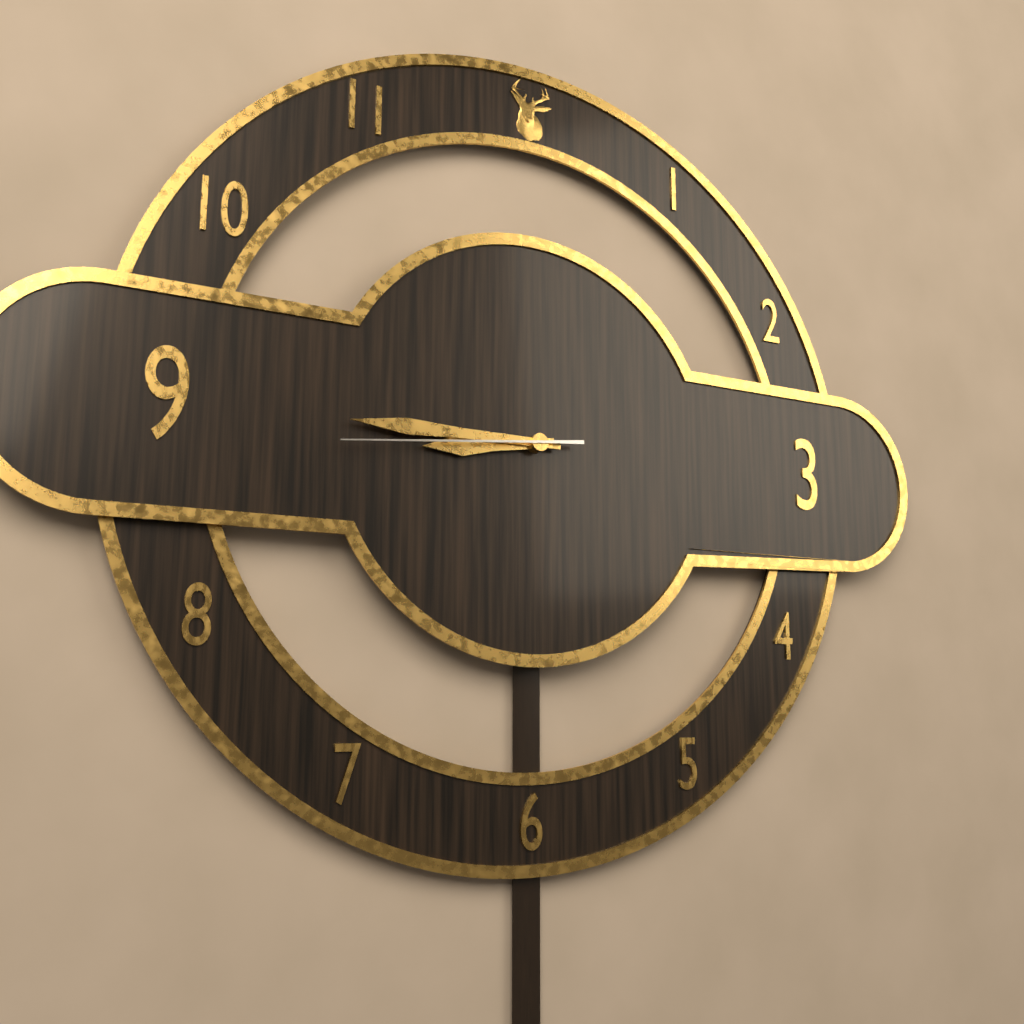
{"hour": 8, "minute": 45, "second": 44}
